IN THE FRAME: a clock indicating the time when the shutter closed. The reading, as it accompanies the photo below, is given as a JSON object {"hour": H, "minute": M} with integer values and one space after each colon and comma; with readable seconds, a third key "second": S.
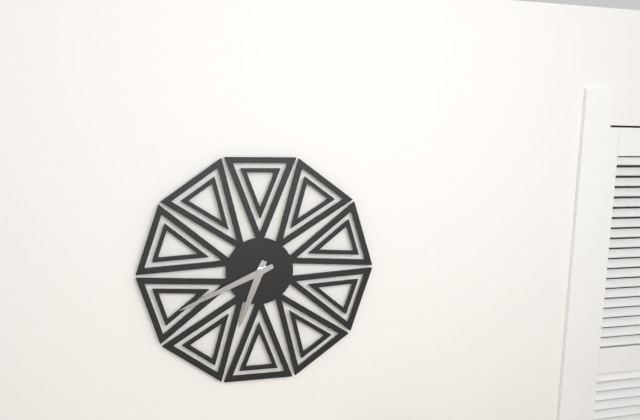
{"hour": 6, "minute": 41}
